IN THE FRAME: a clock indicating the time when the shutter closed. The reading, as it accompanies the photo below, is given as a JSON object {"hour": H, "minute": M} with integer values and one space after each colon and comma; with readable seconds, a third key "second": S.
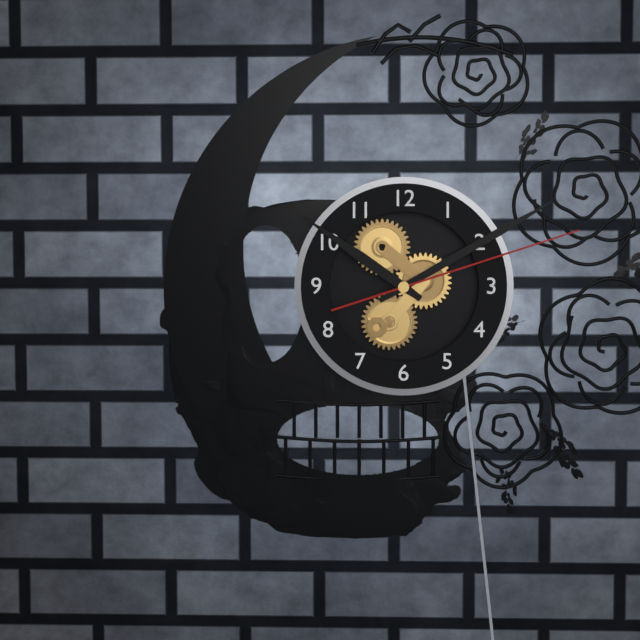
{"hour": 10, "minute": 10, "second": 12}
